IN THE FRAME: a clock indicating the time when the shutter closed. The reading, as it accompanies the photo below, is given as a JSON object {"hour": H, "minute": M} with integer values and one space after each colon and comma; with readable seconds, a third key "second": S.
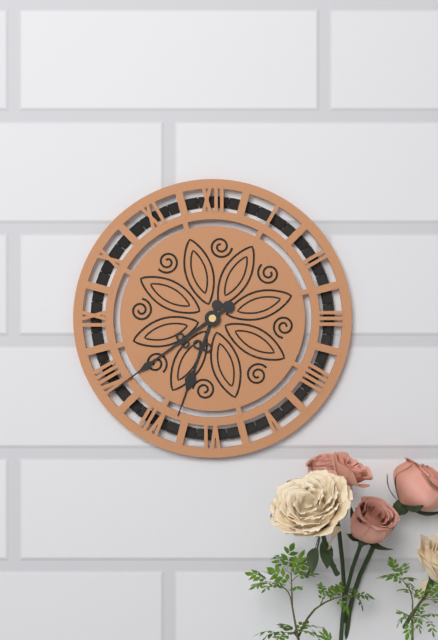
{"hour": 6, "minute": 39}
